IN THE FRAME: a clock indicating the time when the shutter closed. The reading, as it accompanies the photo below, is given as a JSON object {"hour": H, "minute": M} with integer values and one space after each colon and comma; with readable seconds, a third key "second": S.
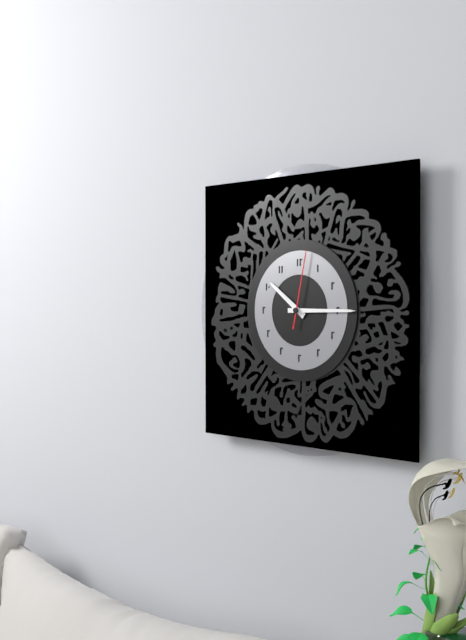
{"hour": 10, "minute": 15, "second": 2}
